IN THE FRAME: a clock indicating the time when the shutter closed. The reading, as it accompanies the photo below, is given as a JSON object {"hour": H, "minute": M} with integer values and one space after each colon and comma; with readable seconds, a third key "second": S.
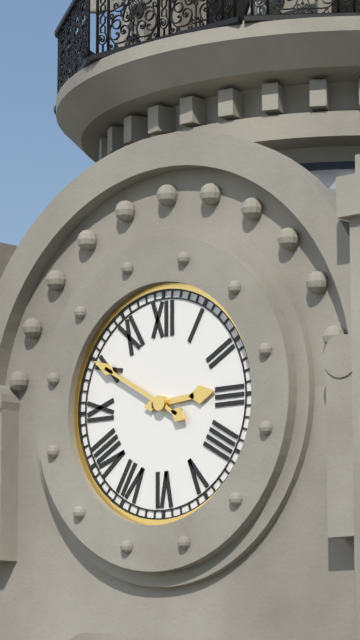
{"hour": 2, "minute": 50}
